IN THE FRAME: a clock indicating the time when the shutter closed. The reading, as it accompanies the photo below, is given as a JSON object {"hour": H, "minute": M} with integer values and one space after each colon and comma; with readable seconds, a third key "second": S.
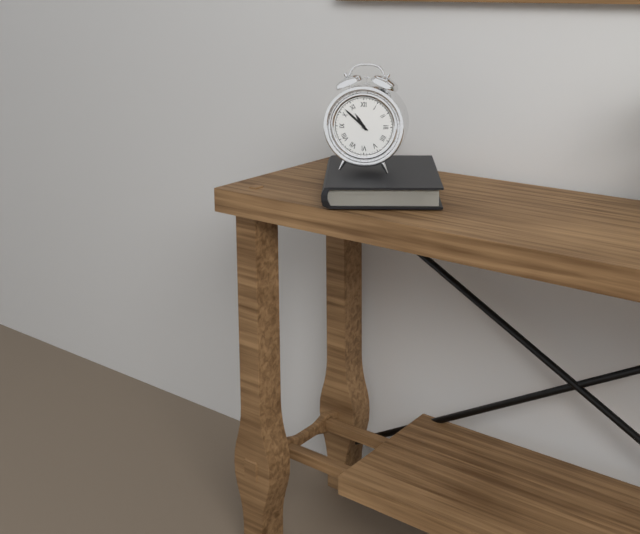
{"hour": 10, "minute": 52}
